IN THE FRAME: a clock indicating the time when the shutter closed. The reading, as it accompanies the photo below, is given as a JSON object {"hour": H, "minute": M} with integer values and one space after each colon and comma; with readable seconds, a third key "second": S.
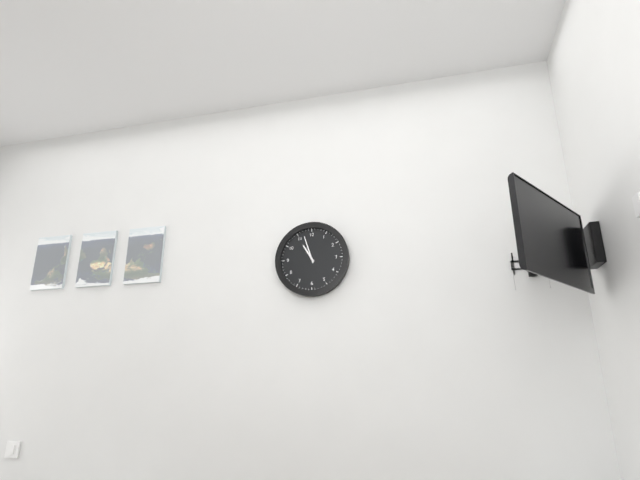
{"hour": 10, "minute": 57}
